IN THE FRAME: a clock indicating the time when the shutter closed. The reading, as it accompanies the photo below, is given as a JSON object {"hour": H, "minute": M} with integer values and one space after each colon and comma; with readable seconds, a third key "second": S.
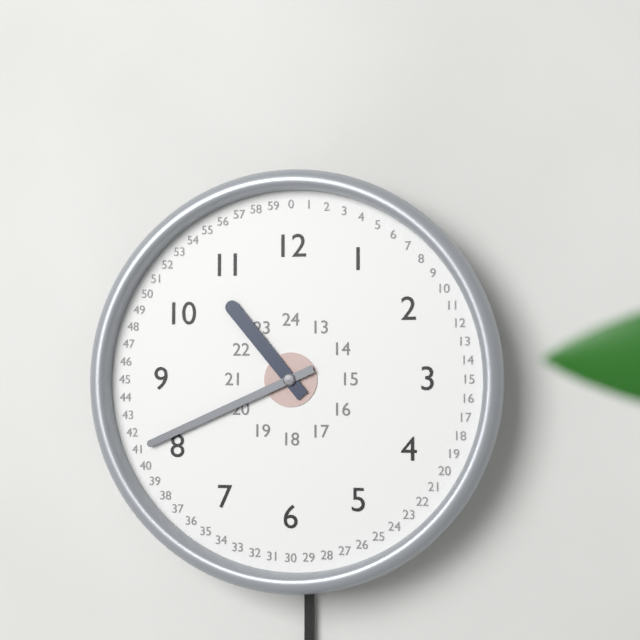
{"hour": 10, "minute": 41}
